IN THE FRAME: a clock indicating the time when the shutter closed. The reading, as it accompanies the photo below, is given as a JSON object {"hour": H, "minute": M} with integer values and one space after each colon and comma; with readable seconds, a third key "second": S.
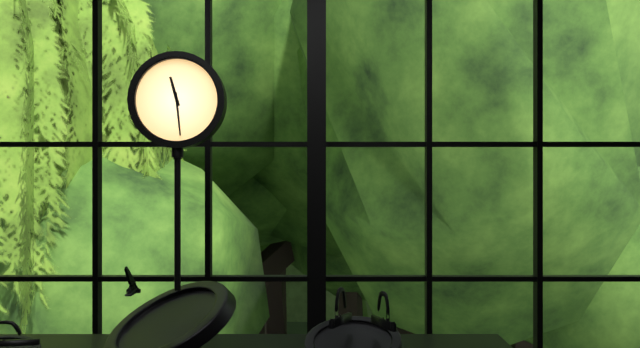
{"hour": 11, "minute": 29}
